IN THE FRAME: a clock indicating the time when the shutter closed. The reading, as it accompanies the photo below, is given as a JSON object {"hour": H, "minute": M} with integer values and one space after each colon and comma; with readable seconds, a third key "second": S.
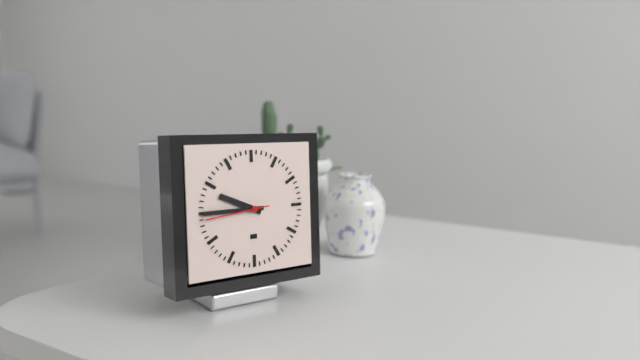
{"hour": 9, "minute": 45, "second": 44}
